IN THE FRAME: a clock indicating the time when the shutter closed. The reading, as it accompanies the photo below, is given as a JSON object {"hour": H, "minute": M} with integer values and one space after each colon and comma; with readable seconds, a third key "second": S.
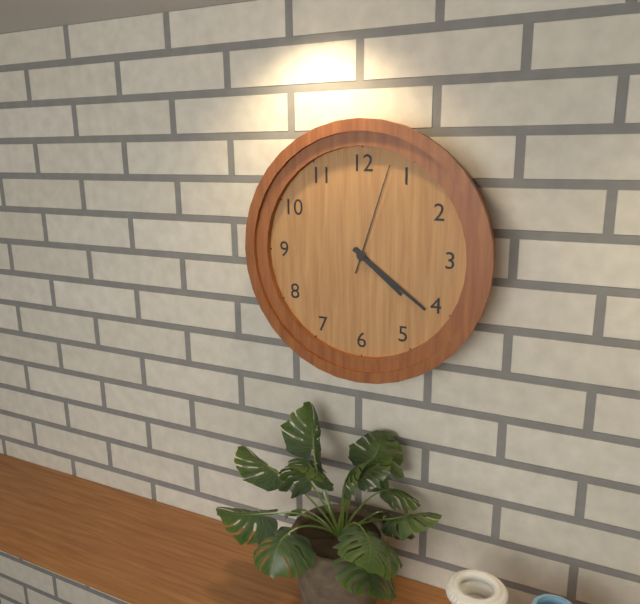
{"hour": 4, "minute": 21, "second": 3}
